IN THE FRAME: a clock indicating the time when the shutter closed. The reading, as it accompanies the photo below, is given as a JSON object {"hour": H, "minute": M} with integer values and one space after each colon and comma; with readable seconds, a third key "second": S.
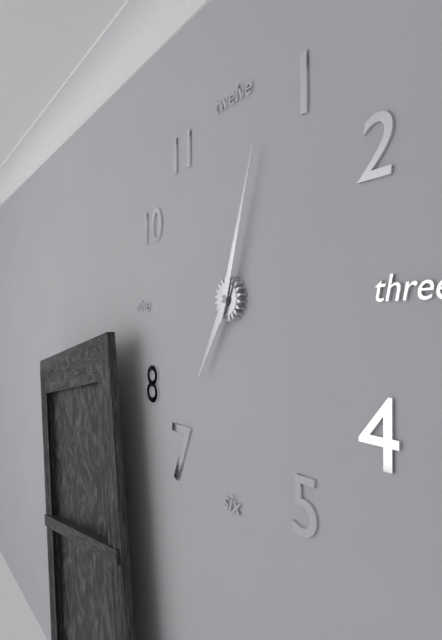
{"hour": 7, "minute": 3}
